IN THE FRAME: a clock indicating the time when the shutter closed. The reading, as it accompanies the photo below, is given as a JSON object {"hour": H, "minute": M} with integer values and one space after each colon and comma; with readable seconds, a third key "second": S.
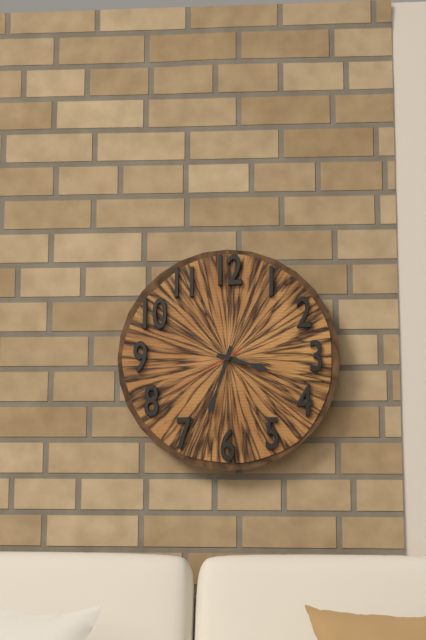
{"hour": 3, "minute": 33, "second": 40}
